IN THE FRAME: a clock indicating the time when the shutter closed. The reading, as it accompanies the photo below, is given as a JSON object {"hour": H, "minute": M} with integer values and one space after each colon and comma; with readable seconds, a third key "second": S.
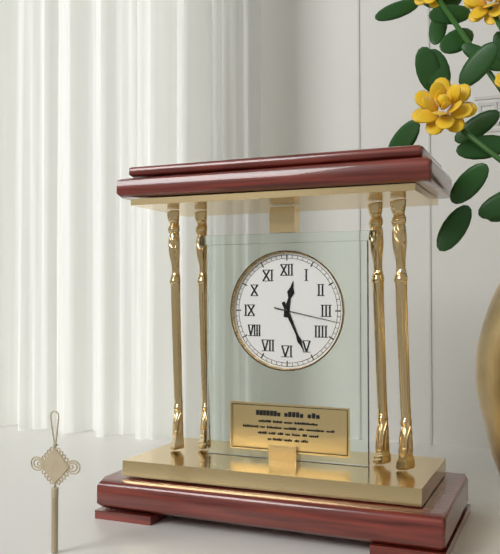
{"hour": 12, "minute": 26, "second": 17}
